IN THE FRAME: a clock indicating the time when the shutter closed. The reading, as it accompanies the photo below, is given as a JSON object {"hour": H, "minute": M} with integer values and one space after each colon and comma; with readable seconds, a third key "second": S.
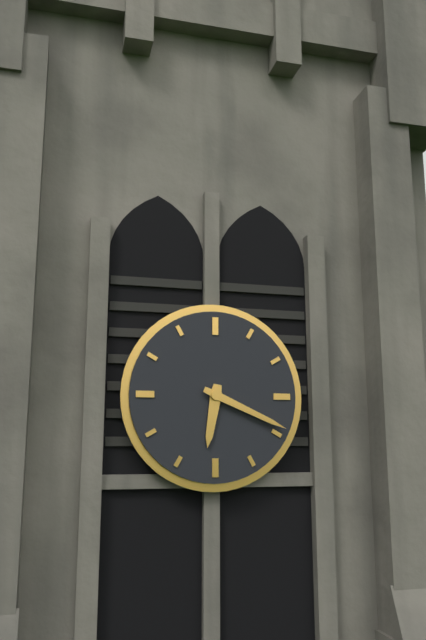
{"hour": 6, "minute": 19}
